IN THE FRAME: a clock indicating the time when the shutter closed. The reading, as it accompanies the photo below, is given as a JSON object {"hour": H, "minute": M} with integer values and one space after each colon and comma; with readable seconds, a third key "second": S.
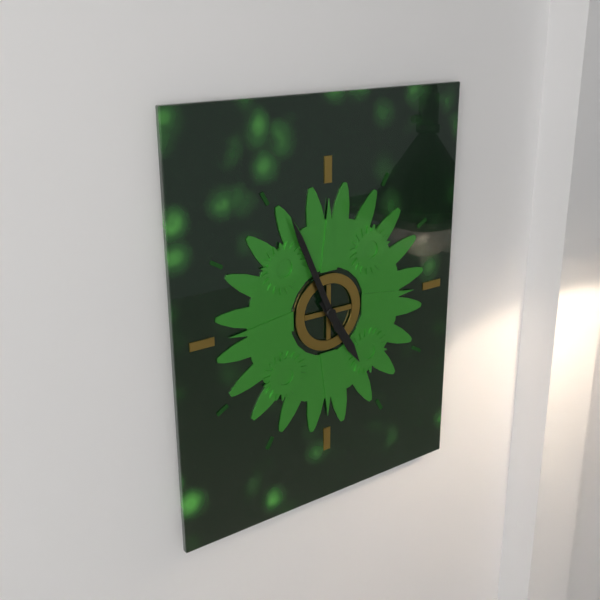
{"hour": 4, "minute": 56}
